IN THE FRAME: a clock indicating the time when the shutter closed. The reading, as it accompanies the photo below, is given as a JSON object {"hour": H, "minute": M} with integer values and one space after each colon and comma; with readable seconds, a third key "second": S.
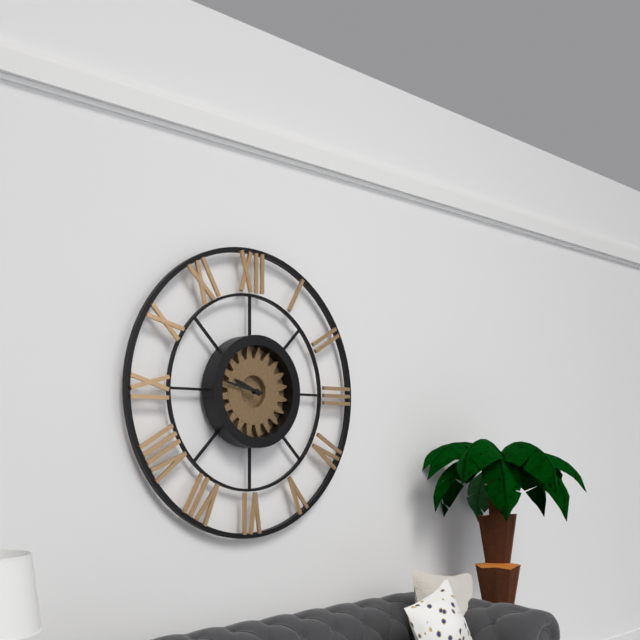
{"hour": 9, "minute": 47}
